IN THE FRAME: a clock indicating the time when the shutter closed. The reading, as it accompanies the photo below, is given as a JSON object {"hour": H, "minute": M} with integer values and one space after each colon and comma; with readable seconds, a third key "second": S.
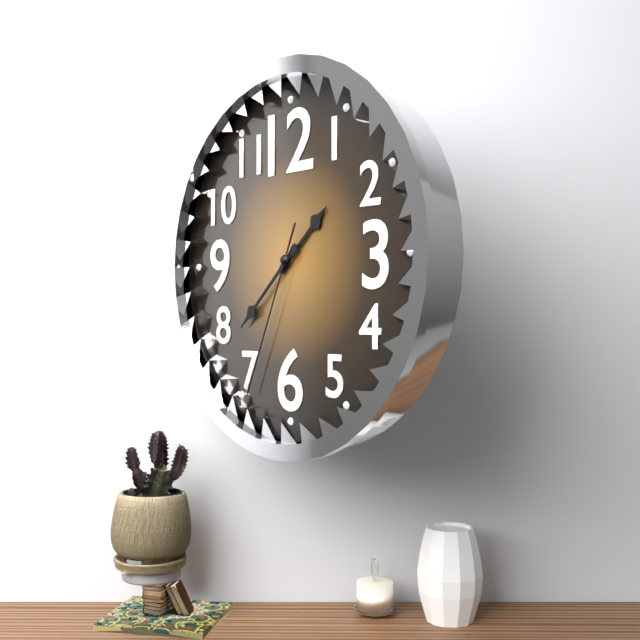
{"hour": 1, "minute": 38, "second": 34}
